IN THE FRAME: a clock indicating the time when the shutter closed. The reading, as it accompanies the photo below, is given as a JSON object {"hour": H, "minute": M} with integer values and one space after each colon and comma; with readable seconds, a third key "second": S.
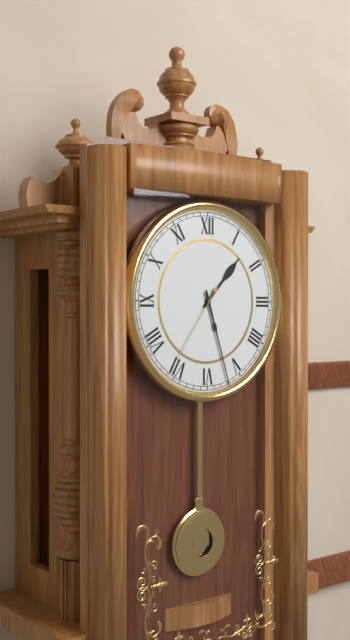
{"hour": 1, "minute": 27, "second": 36}
